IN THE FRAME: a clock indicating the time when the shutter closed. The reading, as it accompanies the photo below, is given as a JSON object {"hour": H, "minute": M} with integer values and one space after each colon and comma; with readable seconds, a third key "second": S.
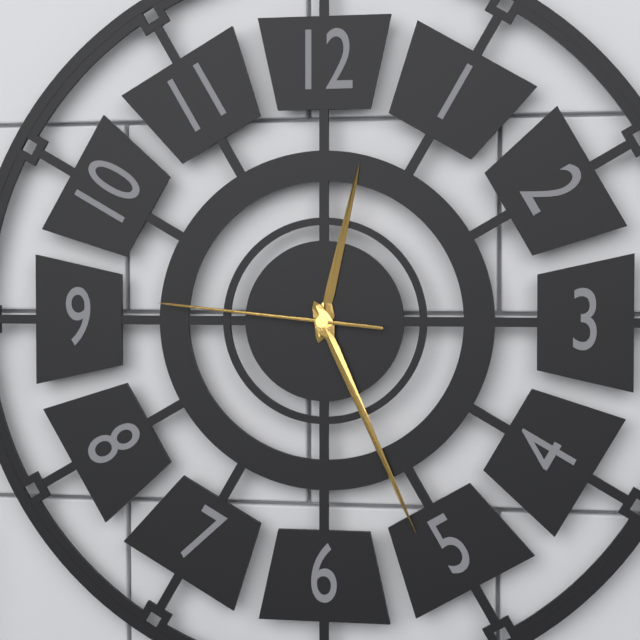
{"hour": 12, "minute": 26, "second": 46}
